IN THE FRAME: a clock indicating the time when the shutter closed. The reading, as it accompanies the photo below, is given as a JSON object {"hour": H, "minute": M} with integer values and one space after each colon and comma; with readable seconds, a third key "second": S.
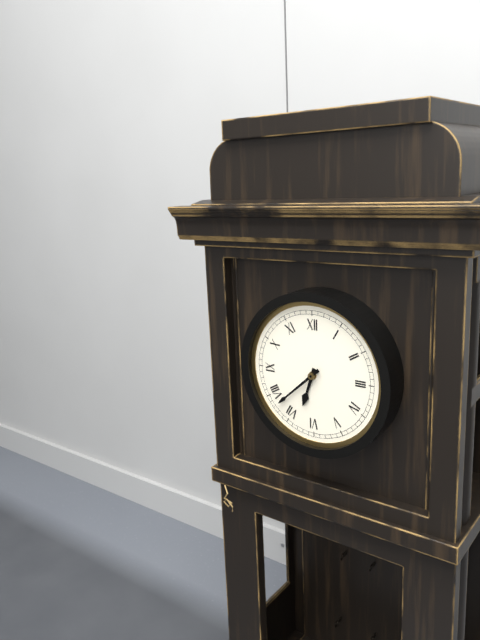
{"hour": 6, "minute": 38}
